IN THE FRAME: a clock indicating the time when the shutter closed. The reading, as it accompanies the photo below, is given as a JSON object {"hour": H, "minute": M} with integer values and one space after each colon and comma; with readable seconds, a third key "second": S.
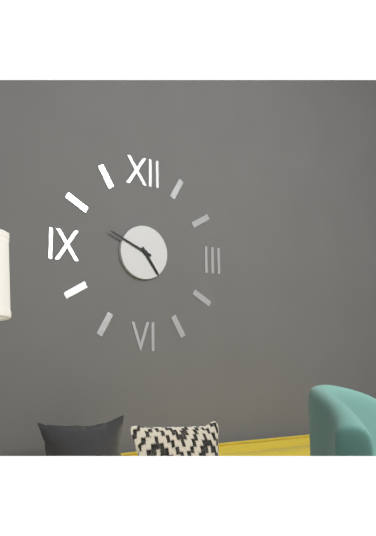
{"hour": 4, "minute": 49}
